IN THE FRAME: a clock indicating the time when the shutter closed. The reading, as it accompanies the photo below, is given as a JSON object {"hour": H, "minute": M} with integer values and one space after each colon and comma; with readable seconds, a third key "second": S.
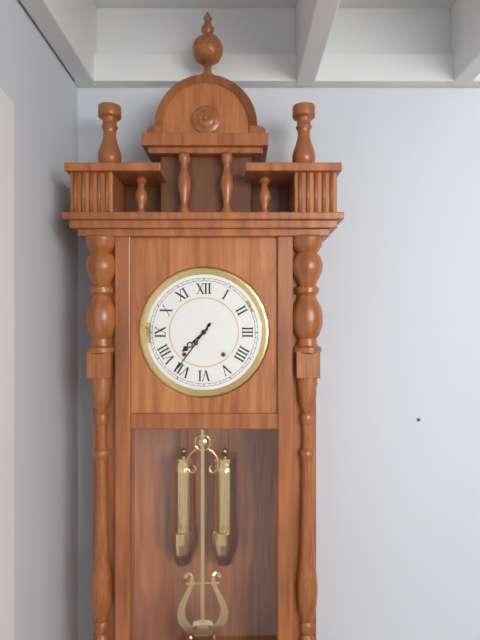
{"hour": 7, "minute": 36}
